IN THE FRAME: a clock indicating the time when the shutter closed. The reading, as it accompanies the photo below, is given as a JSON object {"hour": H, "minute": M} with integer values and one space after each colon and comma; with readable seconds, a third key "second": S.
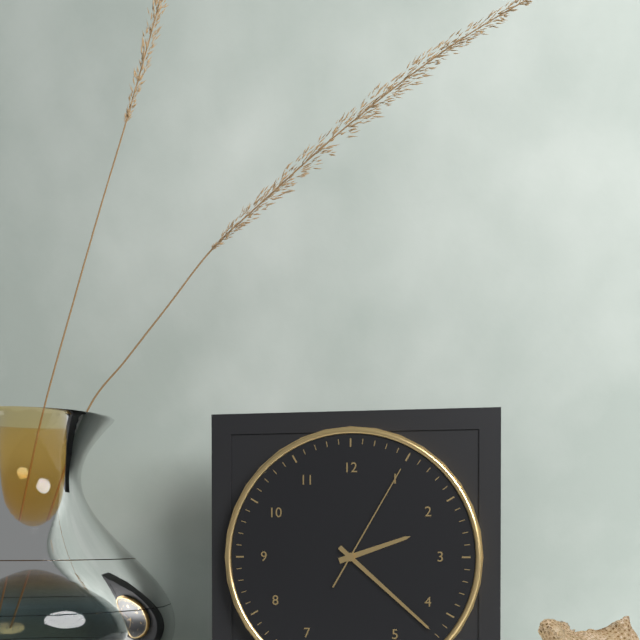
{"hour": 2, "minute": 22, "second": 5}
